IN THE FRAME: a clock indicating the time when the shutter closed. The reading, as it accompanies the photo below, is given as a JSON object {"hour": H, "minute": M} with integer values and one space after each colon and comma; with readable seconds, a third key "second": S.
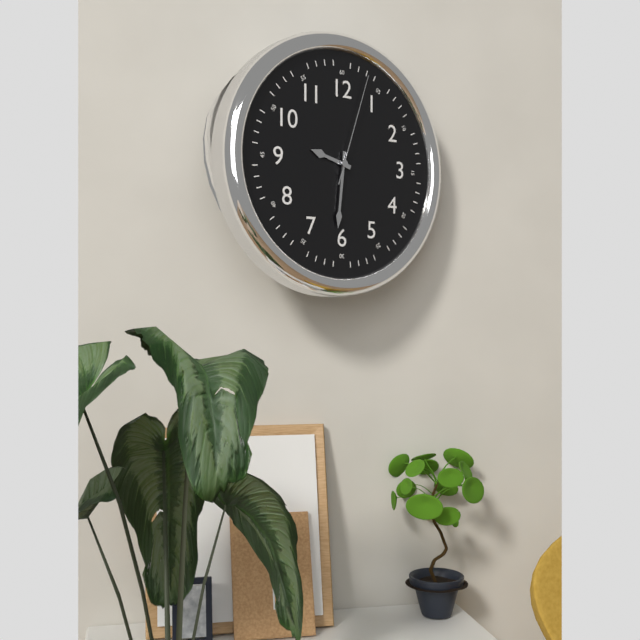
{"hour": 9, "minute": 31, "second": 3}
